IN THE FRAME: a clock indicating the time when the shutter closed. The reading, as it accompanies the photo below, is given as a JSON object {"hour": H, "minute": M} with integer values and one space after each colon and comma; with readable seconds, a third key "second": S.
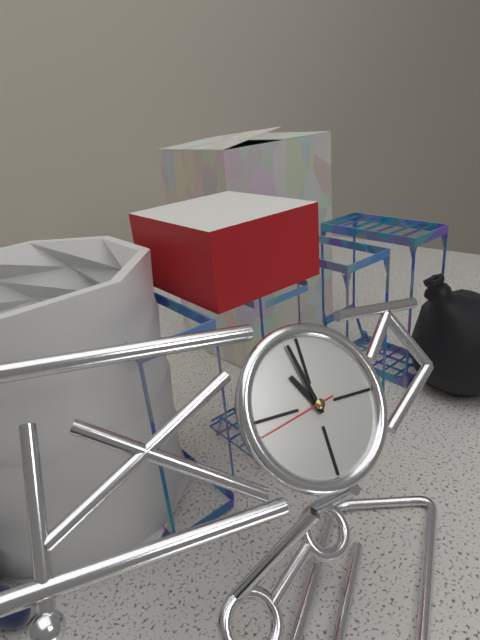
{"hour": 10, "minute": 58, "second": 43}
